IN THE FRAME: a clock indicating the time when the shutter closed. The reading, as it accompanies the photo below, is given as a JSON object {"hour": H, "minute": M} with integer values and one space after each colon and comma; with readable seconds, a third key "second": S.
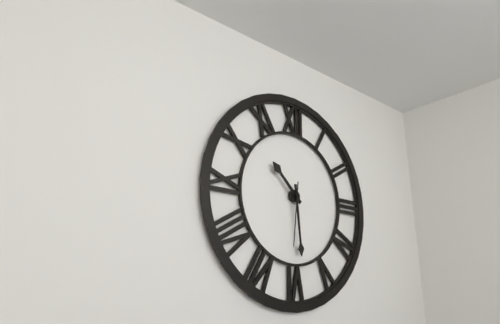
{"hour": 10, "minute": 29, "second": 31}
